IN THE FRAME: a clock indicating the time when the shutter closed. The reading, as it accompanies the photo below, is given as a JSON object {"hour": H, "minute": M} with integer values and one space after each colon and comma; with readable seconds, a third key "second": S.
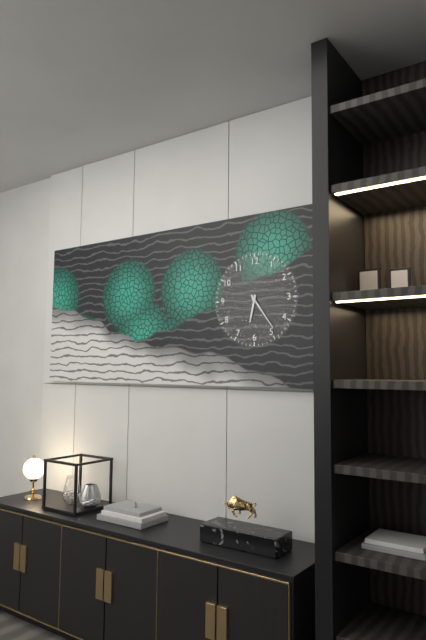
{"hour": 6, "minute": 24}
